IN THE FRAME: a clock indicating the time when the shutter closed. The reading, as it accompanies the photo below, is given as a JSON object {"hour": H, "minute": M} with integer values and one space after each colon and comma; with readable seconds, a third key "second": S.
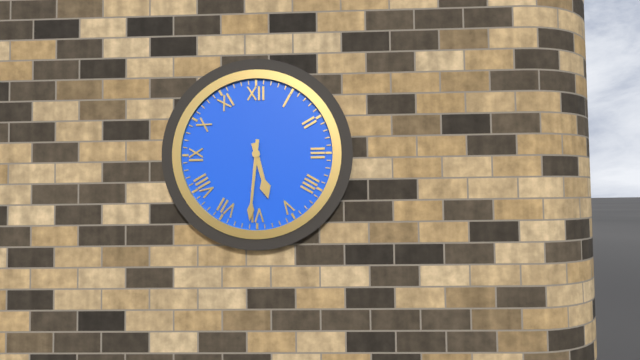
{"hour": 5, "minute": 31}
